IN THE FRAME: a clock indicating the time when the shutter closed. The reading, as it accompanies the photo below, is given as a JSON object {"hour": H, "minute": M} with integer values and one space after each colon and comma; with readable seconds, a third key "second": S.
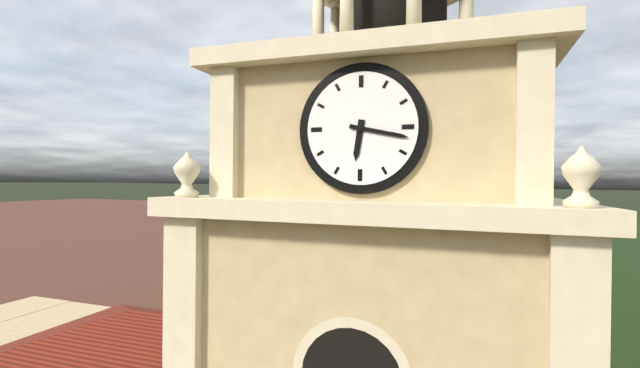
{"hour": 6, "minute": 17}
